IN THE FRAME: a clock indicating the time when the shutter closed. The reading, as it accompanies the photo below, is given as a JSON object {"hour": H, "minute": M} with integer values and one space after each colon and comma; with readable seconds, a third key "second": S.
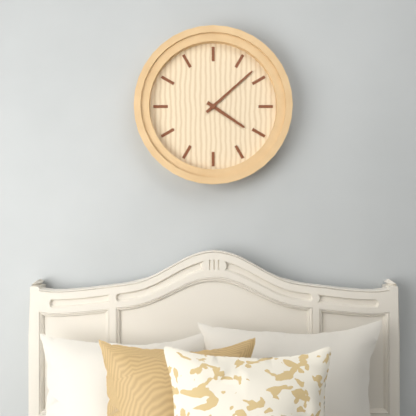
{"hour": 4, "minute": 8}
